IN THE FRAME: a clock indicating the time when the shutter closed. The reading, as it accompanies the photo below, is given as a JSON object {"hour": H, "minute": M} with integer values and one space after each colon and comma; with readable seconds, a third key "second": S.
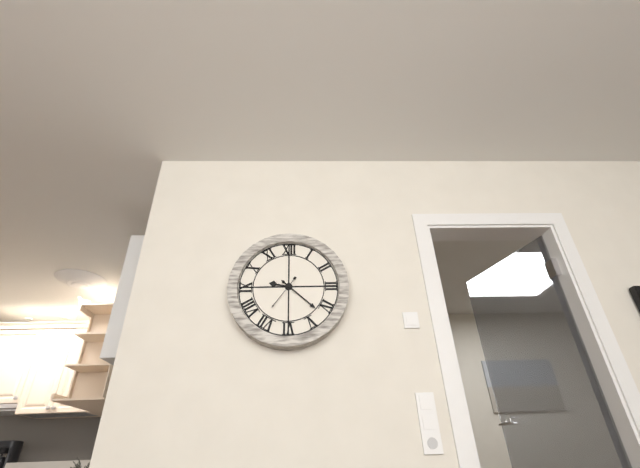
{"hour": 9, "minute": 22}
